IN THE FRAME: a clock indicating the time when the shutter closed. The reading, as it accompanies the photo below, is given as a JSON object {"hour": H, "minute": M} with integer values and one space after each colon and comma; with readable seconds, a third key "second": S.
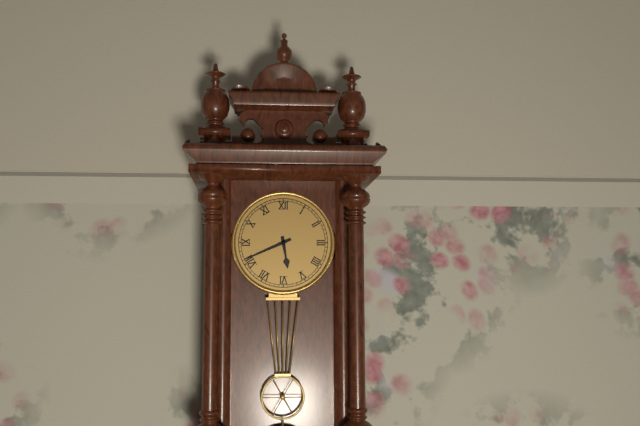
{"hour": 5, "minute": 41}
